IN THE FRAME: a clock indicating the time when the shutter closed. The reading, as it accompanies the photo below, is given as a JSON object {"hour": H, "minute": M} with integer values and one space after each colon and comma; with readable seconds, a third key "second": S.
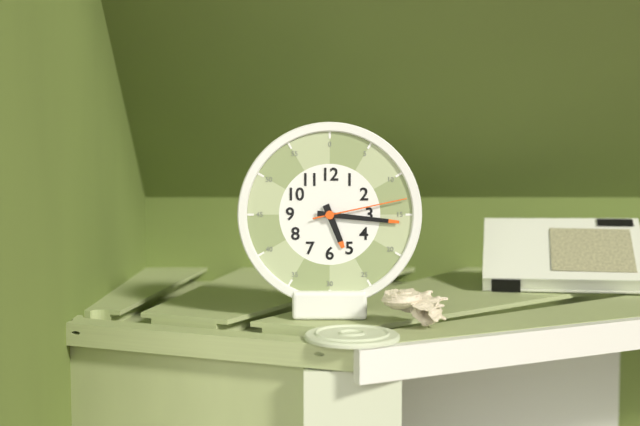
{"hour": 5, "minute": 16, "second": 13}
